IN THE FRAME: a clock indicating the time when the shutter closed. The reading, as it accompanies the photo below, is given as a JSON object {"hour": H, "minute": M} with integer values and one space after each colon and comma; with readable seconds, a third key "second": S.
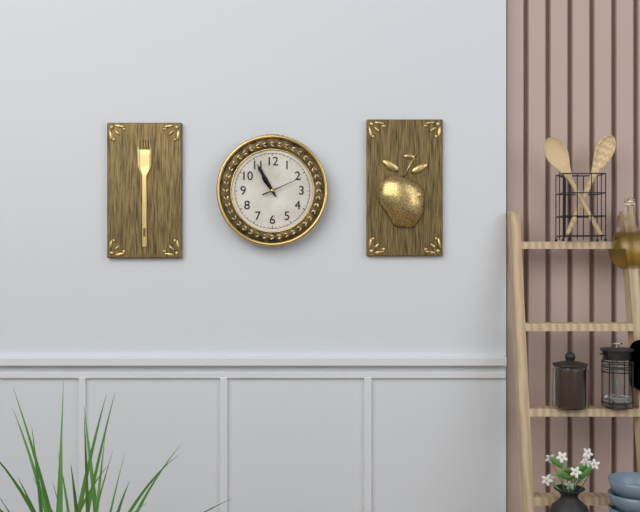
{"hour": 10, "minute": 55}
